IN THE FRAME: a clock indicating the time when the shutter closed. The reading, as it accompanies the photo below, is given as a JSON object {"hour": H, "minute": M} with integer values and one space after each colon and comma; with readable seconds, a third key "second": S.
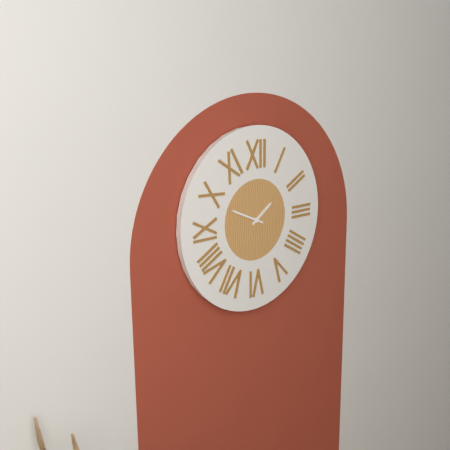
{"hour": 1, "minute": 49}
